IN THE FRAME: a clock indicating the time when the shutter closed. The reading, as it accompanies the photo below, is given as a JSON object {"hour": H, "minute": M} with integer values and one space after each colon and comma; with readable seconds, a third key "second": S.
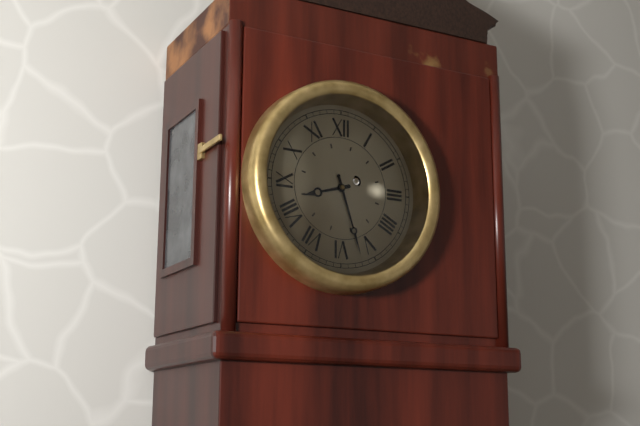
{"hour": 8, "minute": 27}
